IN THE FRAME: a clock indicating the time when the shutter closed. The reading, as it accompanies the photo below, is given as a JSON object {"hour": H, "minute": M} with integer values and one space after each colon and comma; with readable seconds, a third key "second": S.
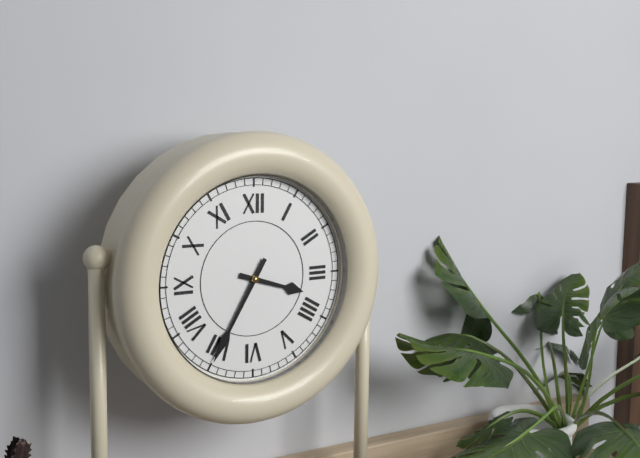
{"hour": 3, "minute": 35}
